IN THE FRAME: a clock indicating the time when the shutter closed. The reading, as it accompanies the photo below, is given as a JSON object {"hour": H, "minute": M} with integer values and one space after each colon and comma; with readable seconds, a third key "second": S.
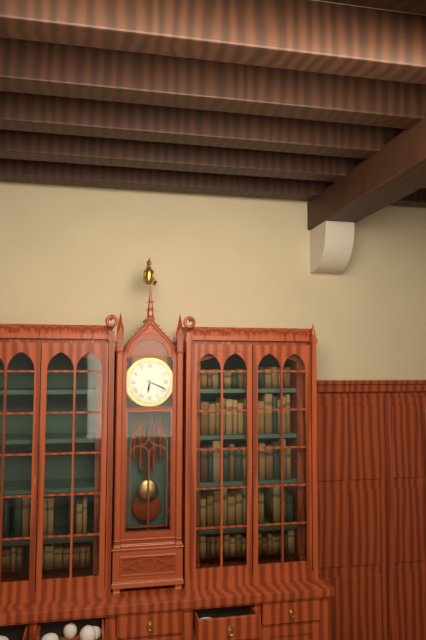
{"hour": 6, "minute": 19}
